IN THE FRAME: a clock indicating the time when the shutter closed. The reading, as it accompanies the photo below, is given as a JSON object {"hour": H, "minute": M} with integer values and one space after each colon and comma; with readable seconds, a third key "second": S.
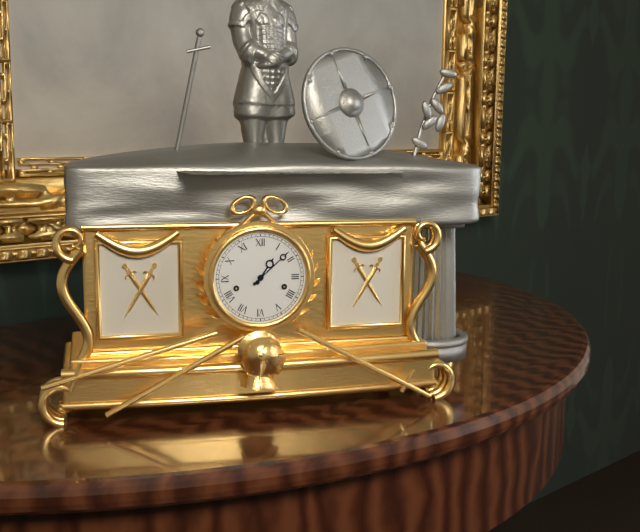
{"hour": 1, "minute": 8}
